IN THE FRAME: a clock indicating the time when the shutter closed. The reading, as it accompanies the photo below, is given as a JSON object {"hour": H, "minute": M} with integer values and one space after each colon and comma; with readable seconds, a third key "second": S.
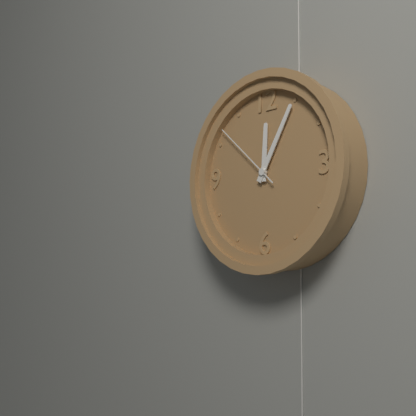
{"hour": 12, "minute": 5, "second": 52}
